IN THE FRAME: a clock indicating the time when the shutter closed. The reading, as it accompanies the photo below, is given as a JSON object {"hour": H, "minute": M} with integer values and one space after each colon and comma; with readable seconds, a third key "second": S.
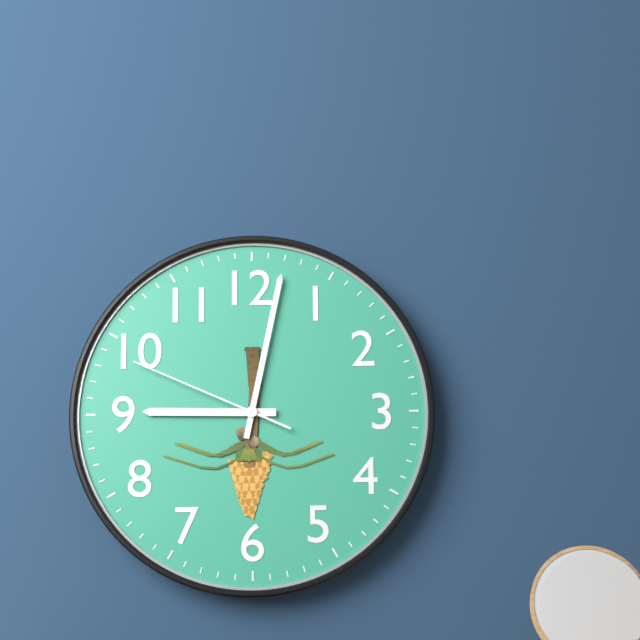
{"hour": 9, "minute": 2, "second": 49}
